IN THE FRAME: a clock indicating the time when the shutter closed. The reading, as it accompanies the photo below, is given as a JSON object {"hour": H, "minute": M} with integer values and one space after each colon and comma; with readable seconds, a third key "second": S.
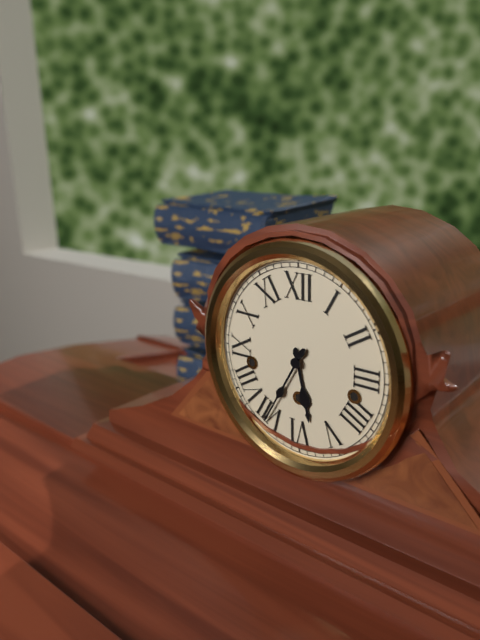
{"hour": 5, "minute": 35}
